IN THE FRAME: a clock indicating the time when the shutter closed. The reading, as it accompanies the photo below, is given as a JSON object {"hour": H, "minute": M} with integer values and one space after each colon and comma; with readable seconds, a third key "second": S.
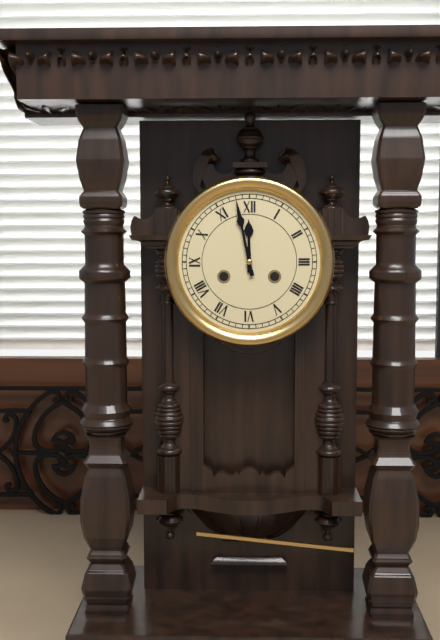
{"hour": 11, "minute": 58}
